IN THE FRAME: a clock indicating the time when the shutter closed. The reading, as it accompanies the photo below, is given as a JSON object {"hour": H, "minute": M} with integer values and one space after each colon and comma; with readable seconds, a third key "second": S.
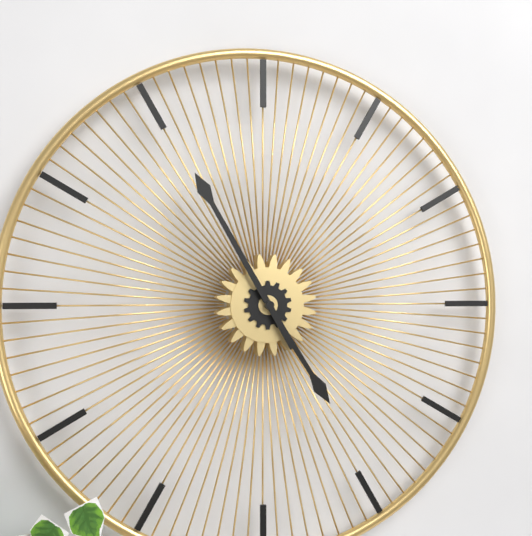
{"hour": 4, "minute": 55}
